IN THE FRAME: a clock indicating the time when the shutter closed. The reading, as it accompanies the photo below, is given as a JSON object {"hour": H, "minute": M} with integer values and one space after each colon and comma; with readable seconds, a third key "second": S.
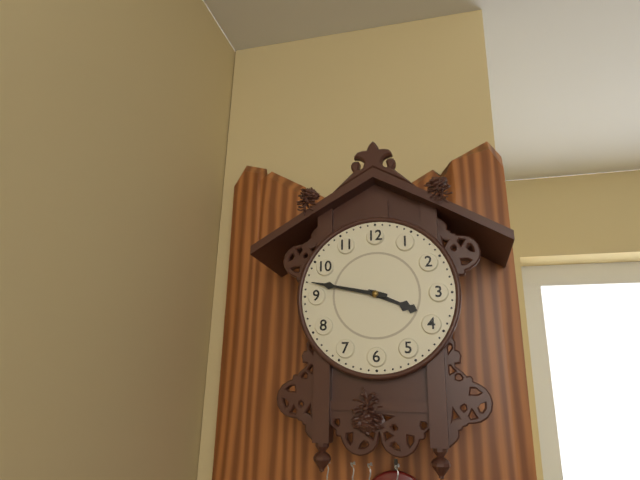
{"hour": 3, "minute": 47}
